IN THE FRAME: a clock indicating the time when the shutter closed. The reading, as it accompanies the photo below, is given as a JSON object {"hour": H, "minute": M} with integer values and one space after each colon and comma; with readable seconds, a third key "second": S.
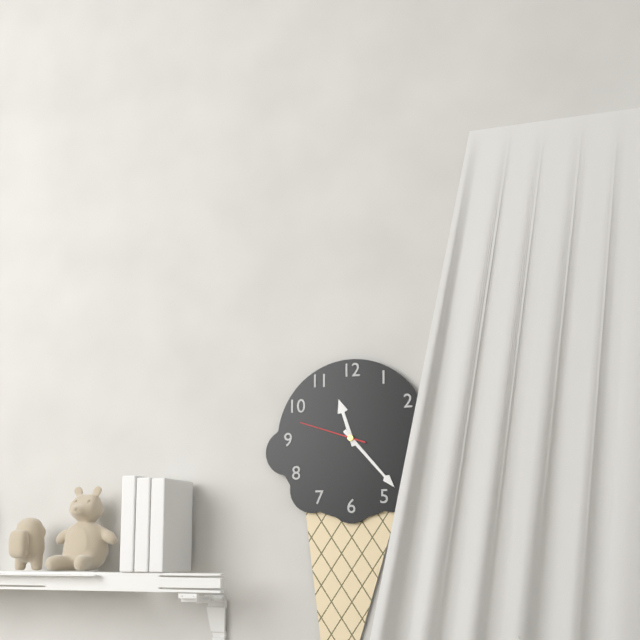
{"hour": 11, "minute": 23, "second": 48}
